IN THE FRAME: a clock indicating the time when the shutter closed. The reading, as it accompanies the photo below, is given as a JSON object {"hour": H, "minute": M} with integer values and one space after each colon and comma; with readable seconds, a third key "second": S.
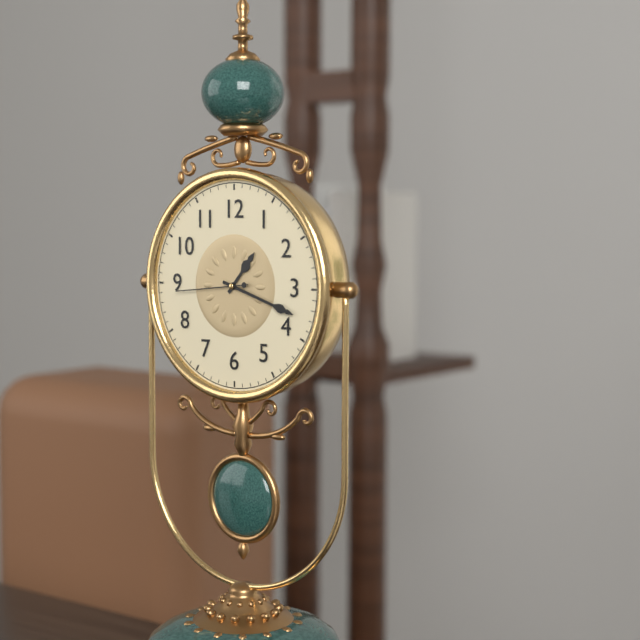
{"hour": 1, "minute": 18, "second": 44}
